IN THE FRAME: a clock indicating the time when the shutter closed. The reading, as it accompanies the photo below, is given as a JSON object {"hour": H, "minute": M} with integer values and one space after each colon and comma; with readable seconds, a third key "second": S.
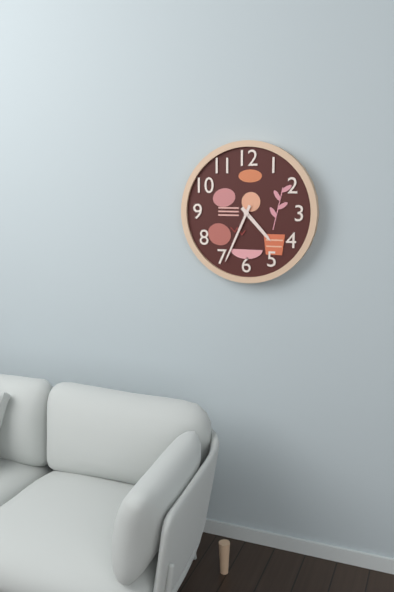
{"hour": 4, "minute": 34}
